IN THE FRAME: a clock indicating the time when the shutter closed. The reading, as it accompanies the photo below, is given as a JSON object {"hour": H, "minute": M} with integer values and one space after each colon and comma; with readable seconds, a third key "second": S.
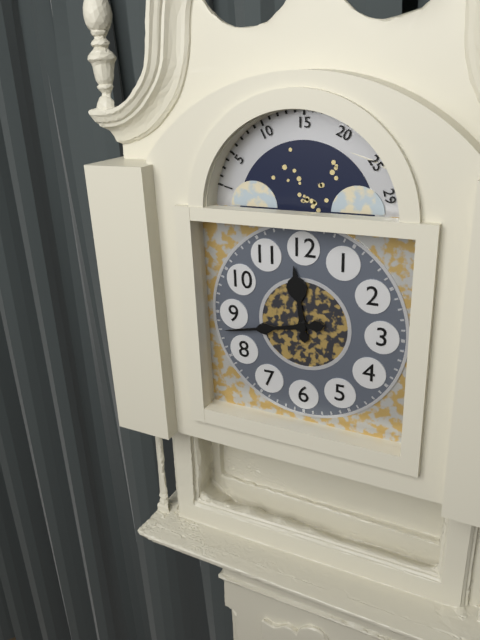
{"hour": 11, "minute": 43}
